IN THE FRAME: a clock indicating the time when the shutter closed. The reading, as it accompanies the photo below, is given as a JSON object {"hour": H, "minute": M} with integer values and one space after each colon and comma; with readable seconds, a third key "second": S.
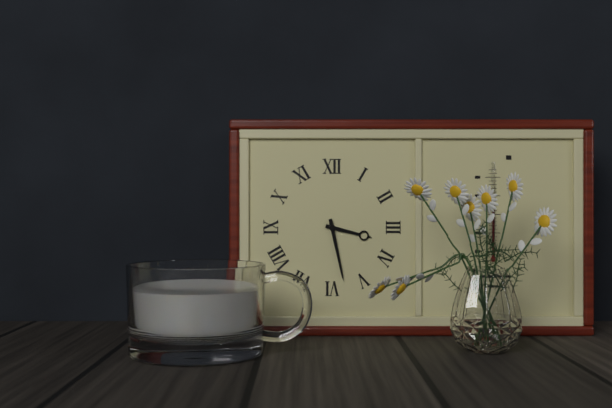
{"hour": 3, "minute": 28}
